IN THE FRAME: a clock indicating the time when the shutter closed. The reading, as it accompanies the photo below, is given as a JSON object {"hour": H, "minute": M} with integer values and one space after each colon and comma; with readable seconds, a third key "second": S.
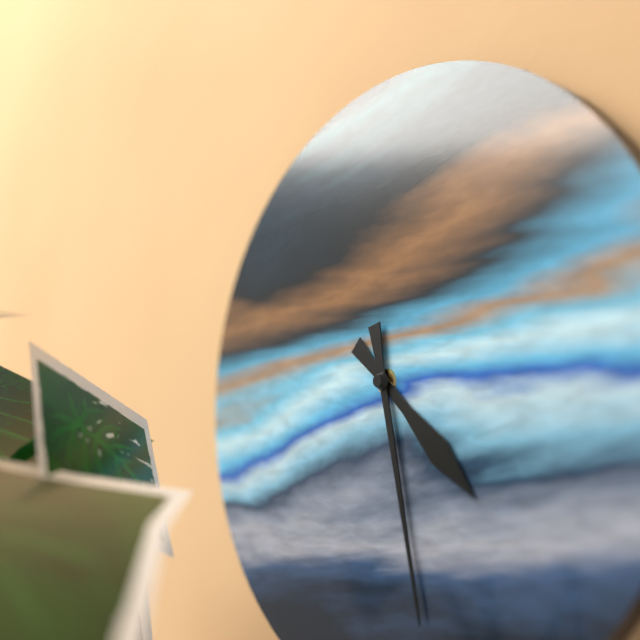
{"hour": 4, "minute": 28}
